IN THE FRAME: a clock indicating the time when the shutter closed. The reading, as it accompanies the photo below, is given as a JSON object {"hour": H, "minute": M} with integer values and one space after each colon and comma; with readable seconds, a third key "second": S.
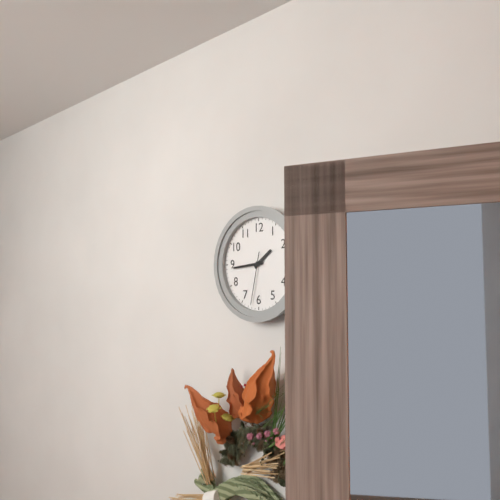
{"hour": 1, "minute": 44, "second": 32}
